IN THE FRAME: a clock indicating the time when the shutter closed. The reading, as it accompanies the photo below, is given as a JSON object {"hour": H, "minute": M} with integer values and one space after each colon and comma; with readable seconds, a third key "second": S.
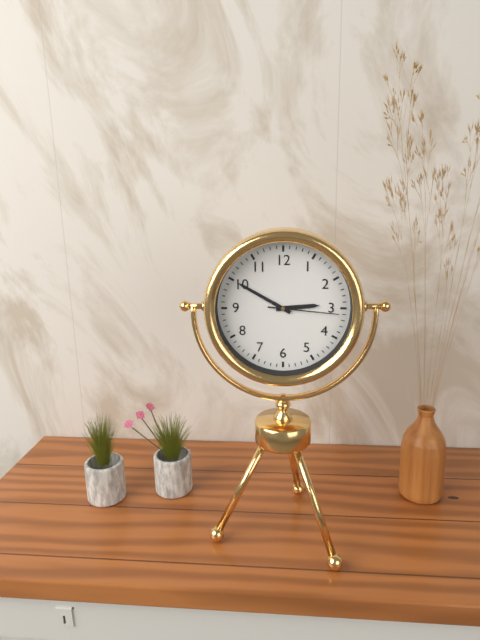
{"hour": 2, "minute": 50, "second": 16}
